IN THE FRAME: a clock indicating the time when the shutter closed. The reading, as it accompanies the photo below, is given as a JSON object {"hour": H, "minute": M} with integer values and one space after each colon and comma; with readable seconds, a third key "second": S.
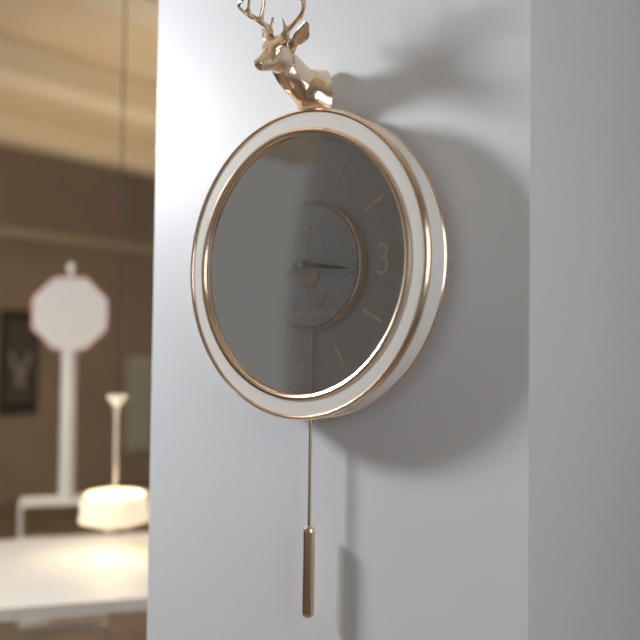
{"hour": 8, "minute": 16}
